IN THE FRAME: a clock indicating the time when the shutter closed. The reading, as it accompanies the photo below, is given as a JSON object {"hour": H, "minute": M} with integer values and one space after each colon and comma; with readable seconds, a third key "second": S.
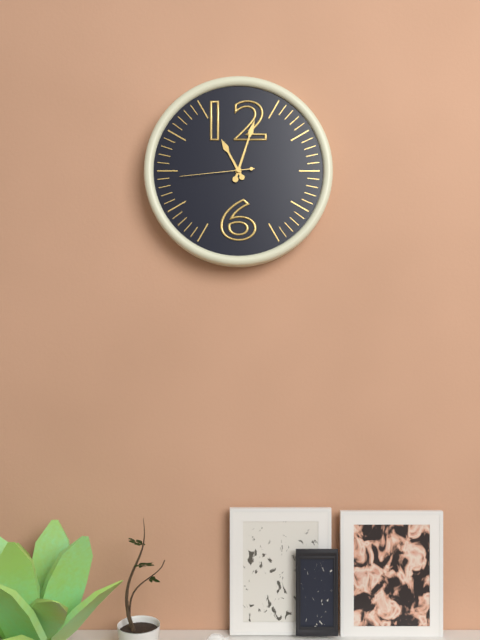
{"hour": 11, "minute": 3, "second": 44}
